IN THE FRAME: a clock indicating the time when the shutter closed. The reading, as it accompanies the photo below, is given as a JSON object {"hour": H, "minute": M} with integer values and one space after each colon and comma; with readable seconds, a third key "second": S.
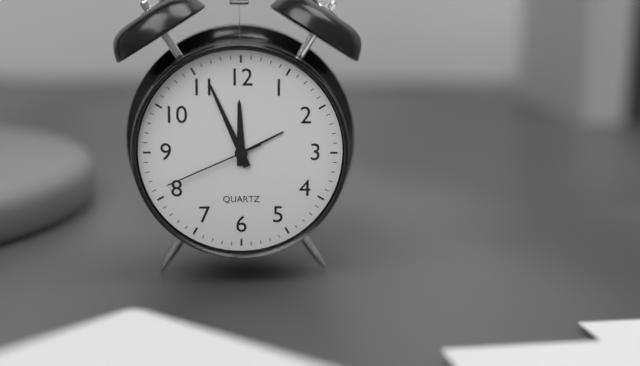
{"hour": 11, "minute": 56, "second": 41}
